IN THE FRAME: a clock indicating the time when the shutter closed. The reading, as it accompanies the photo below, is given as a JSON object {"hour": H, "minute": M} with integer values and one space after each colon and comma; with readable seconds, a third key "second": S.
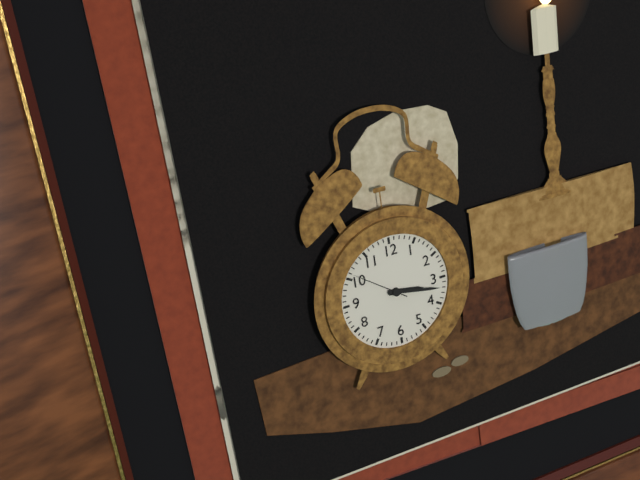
{"hour": 3, "minute": 17, "second": 51}
